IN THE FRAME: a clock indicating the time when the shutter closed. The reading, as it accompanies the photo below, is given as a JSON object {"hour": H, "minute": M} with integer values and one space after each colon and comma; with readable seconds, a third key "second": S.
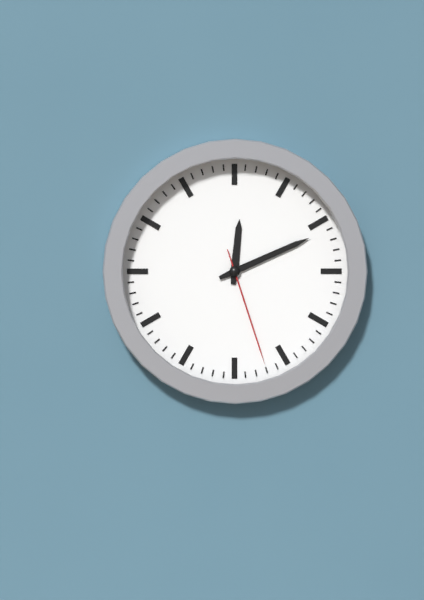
{"hour": 12, "minute": 11, "second": 27}
